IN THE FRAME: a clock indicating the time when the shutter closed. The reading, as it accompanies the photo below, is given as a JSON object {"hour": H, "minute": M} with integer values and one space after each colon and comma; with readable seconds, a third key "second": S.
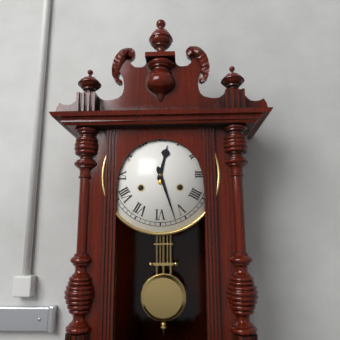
{"hour": 12, "minute": 27}
